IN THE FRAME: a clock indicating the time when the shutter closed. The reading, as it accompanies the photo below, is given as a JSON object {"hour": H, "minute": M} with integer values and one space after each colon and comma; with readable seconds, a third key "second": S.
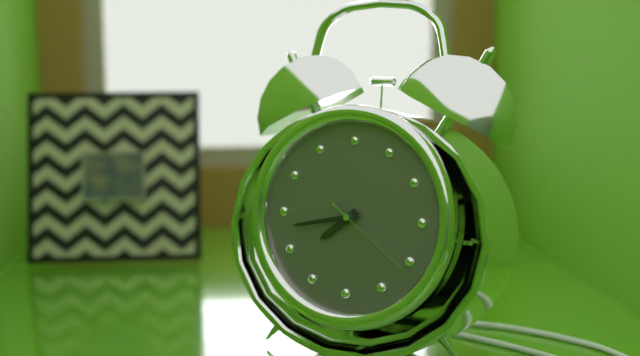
{"hour": 7, "minute": 43, "second": 21}
